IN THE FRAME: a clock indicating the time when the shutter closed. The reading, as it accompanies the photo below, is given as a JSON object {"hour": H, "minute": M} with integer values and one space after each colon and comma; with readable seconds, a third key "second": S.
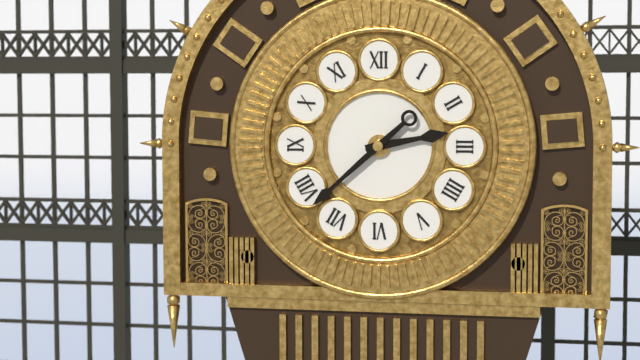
{"hour": 2, "minute": 38}
